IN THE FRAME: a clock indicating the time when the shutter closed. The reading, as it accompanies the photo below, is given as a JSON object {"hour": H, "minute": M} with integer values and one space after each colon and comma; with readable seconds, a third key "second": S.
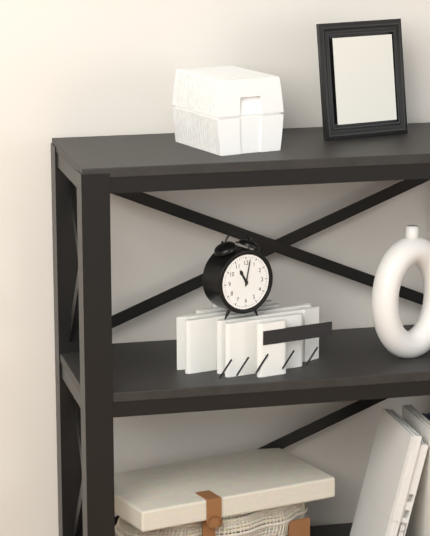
{"hour": 11, "minute": 2}
